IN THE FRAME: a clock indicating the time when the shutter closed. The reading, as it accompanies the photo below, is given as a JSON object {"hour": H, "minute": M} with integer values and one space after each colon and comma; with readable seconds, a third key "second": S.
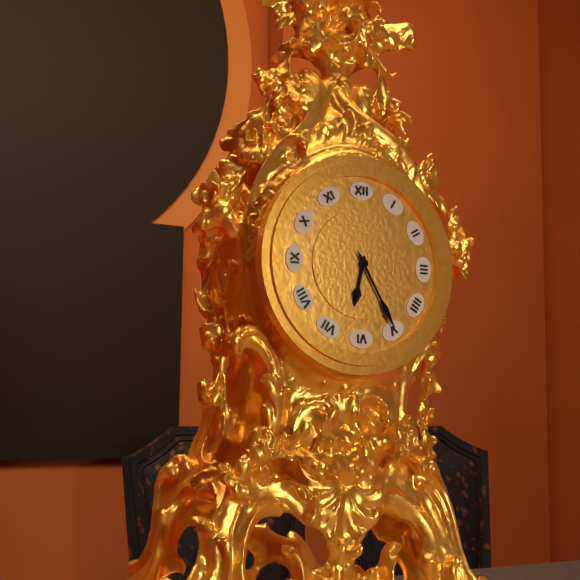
{"hour": 6, "minute": 25}
